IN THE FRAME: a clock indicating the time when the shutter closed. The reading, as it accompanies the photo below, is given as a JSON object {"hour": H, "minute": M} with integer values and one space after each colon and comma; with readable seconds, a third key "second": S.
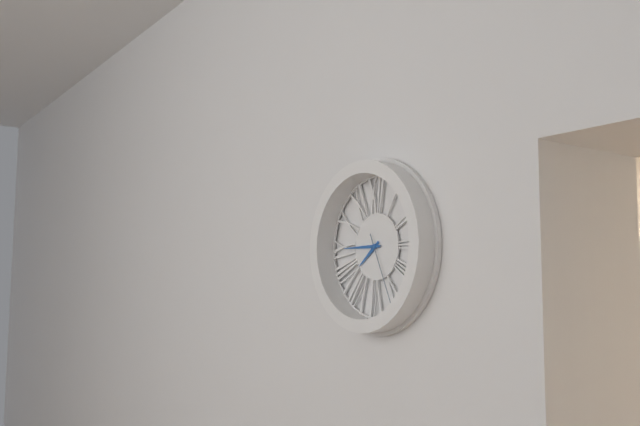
{"hour": 7, "minute": 45, "second": 26}
